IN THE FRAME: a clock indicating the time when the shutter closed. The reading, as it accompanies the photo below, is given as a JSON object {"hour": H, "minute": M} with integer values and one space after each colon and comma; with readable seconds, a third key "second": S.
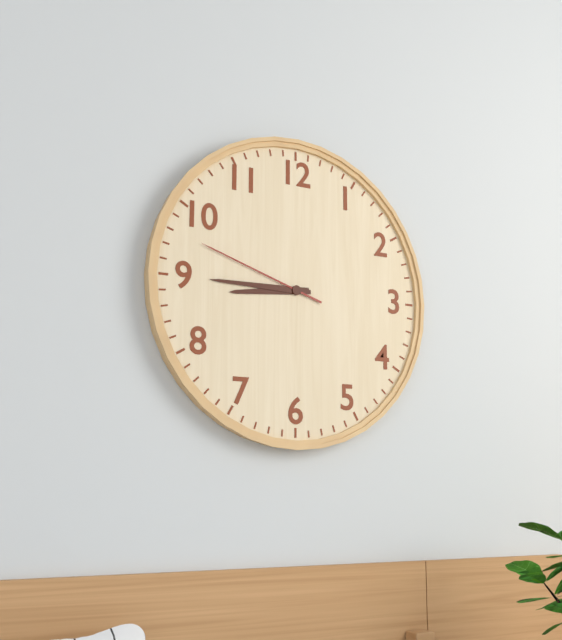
{"hour": 8, "minute": 45, "second": 48}
